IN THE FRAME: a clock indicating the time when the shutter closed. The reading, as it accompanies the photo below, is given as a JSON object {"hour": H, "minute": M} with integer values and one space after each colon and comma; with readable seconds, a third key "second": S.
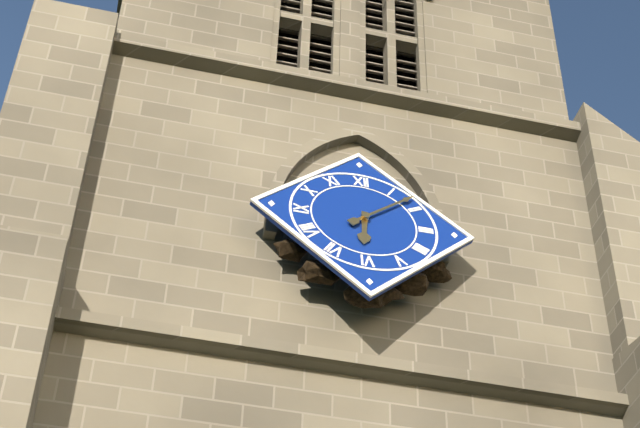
{"hour": 6, "minute": 8}
